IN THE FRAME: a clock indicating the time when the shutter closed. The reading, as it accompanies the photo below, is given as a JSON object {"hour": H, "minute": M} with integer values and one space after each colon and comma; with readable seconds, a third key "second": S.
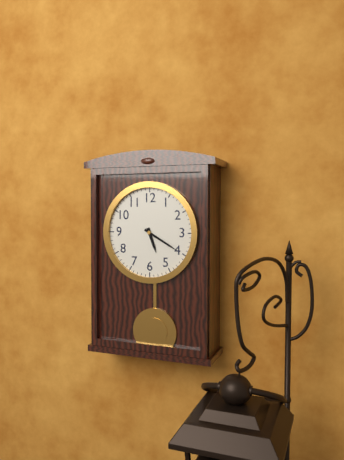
{"hour": 5, "minute": 20}
